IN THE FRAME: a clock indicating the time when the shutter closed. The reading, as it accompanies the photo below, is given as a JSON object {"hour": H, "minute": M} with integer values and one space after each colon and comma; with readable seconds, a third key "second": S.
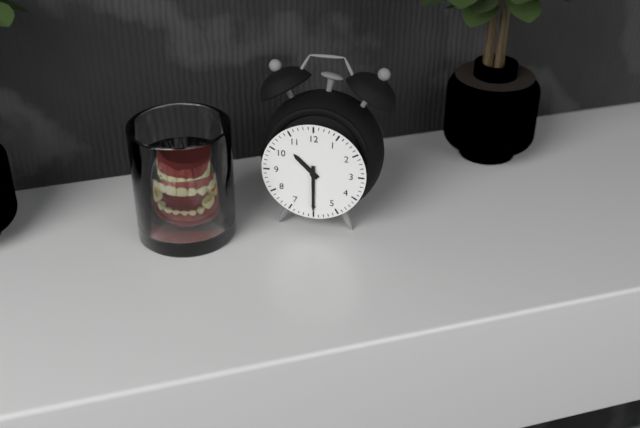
{"hour": 10, "minute": 30}
